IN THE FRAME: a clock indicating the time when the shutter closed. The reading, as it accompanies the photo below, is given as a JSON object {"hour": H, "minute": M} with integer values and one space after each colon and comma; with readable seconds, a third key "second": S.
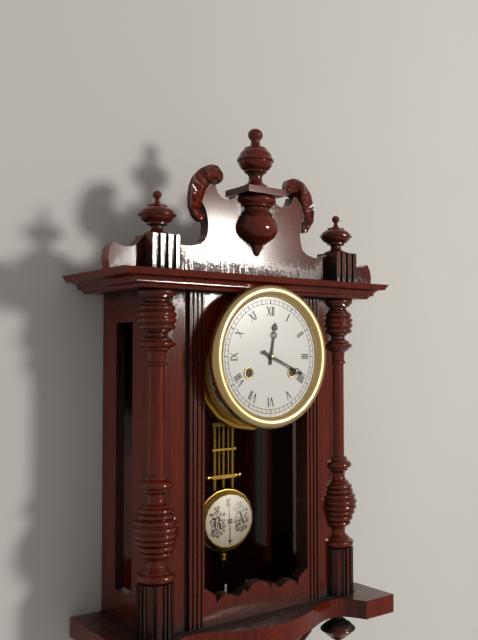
{"hour": 12, "minute": 19}
